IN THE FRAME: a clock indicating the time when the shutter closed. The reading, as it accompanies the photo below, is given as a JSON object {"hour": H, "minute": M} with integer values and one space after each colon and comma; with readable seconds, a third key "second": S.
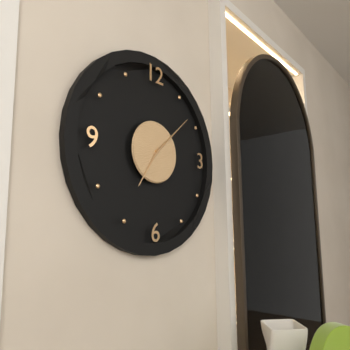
{"hour": 7, "minute": 8}
